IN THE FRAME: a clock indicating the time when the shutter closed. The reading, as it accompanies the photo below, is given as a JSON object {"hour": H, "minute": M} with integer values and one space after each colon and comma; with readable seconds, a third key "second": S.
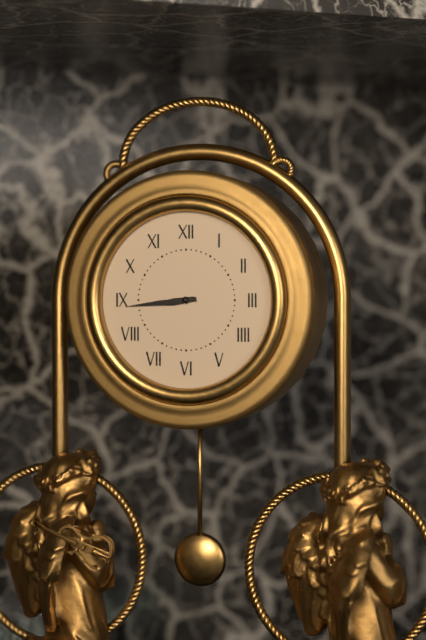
{"hour": 8, "minute": 44}
